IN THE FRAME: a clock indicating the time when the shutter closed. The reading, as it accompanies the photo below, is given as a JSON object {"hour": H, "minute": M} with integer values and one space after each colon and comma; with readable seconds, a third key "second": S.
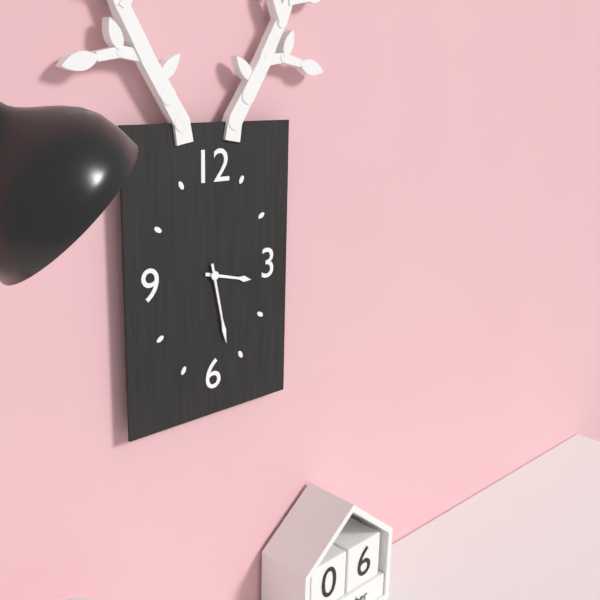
{"hour": 3, "minute": 28}
